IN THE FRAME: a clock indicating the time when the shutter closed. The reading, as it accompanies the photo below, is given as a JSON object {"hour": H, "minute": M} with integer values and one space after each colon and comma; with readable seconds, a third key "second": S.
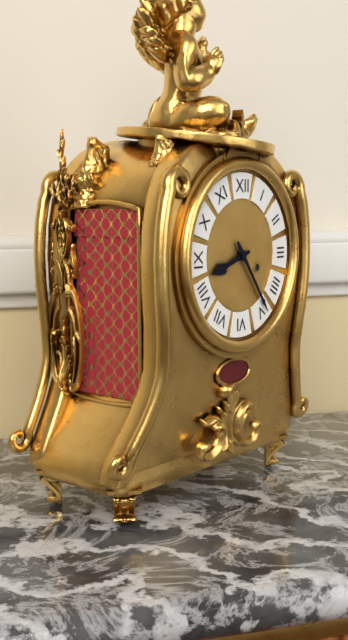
{"hour": 8, "minute": 24}
